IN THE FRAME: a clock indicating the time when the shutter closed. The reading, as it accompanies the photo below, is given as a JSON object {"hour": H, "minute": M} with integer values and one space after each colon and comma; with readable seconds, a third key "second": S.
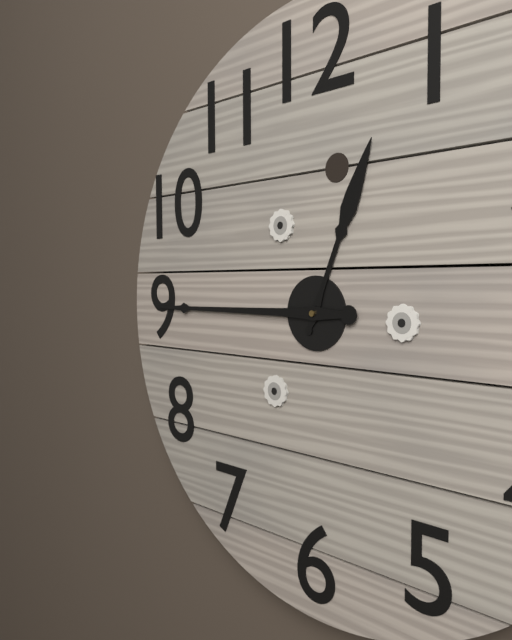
{"hour": 12, "minute": 45}
